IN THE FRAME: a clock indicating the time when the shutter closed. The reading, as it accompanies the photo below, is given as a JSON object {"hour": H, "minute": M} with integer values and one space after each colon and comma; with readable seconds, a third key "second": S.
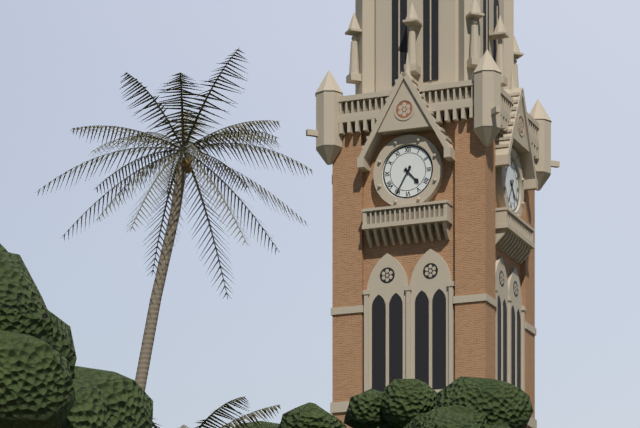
{"hour": 4, "minute": 35}
